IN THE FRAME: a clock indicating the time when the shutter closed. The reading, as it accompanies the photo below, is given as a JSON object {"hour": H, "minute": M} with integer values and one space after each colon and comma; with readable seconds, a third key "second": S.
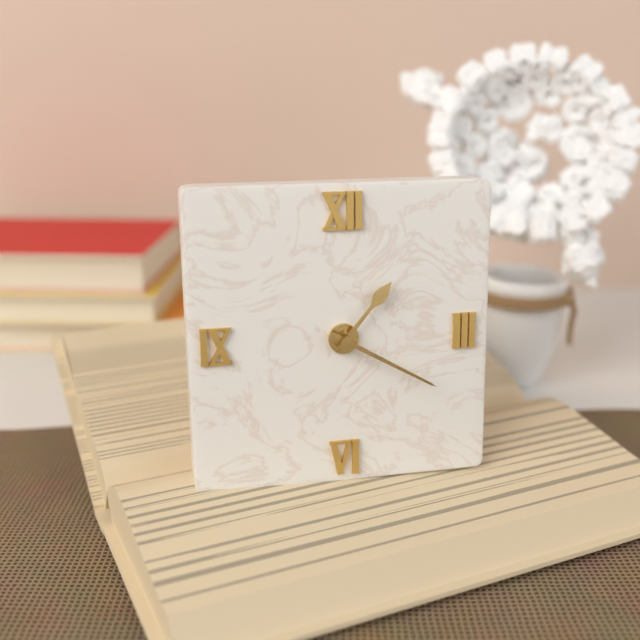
{"hour": 1, "minute": 20}
